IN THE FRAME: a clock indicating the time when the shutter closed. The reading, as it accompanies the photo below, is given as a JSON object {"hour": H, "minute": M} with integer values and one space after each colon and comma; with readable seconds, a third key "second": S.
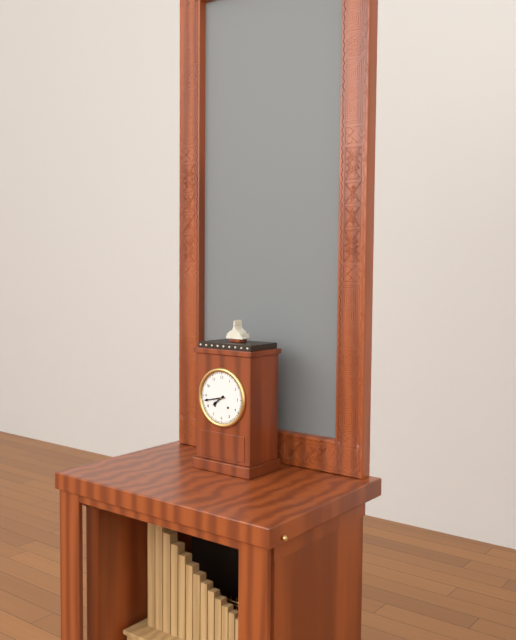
{"hour": 7, "minute": 43}
